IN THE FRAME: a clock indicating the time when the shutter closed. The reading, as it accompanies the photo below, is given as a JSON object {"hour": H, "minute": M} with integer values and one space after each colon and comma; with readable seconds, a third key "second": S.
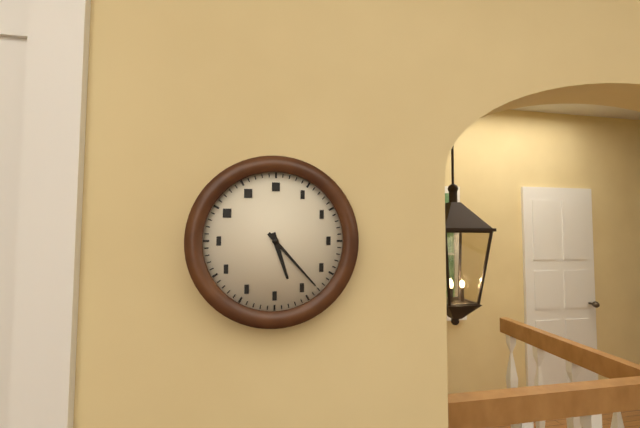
{"hour": 5, "minute": 23}
